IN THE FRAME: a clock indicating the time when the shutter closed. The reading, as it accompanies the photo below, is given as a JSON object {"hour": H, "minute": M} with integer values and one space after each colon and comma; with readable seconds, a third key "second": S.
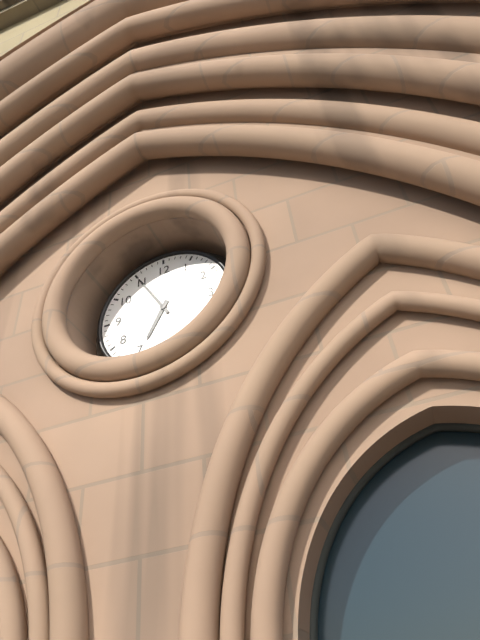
{"hour": 6, "minute": 55}
